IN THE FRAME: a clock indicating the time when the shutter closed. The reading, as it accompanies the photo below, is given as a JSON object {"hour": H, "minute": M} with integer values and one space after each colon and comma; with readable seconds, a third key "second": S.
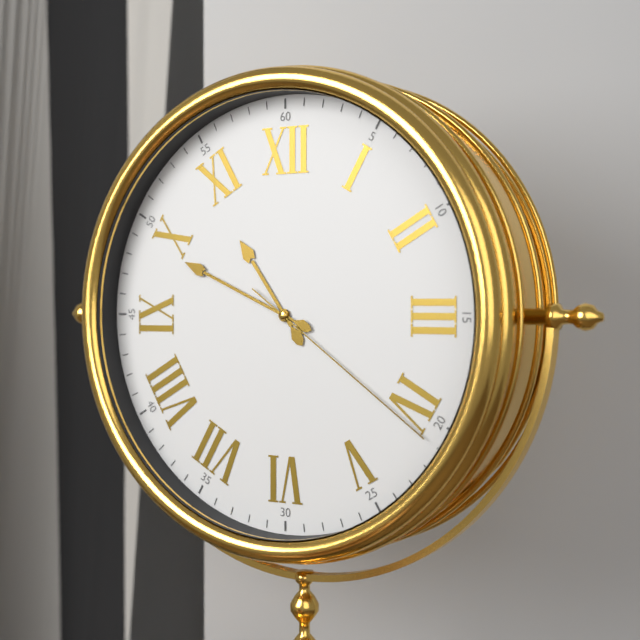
{"hour": 10, "minute": 49, "second": 21}
